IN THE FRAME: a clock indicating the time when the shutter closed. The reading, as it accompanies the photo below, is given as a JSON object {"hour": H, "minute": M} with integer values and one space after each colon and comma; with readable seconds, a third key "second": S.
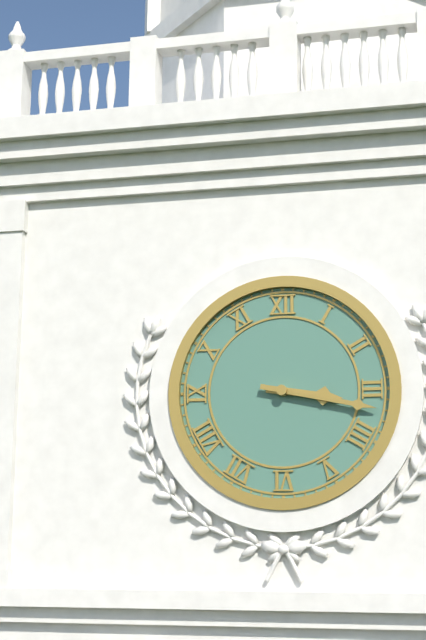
{"hour": 3, "minute": 17}
